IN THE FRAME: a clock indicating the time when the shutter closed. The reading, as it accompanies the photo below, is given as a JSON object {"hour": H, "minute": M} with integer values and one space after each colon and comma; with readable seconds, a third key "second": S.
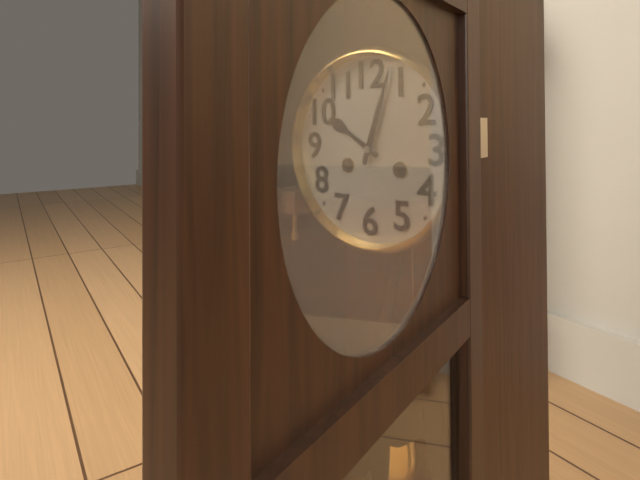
{"hour": 10, "minute": 3}
